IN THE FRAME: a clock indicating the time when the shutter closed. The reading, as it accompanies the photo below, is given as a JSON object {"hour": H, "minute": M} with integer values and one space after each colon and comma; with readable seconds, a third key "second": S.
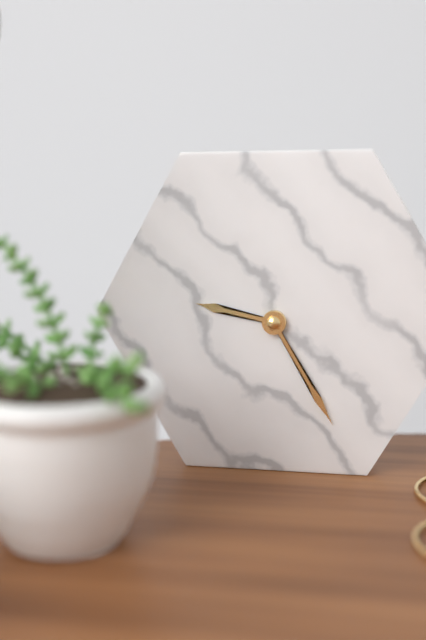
{"hour": 9, "minute": 25}
